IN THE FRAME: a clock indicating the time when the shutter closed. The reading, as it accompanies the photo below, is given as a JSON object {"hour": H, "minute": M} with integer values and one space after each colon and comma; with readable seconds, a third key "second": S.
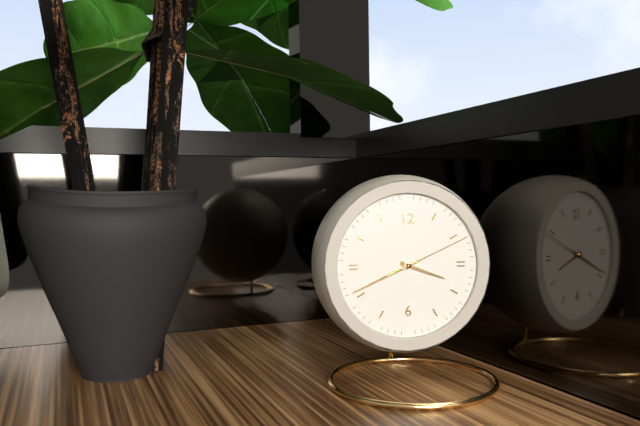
{"hour": 3, "minute": 41, "second": 11}
